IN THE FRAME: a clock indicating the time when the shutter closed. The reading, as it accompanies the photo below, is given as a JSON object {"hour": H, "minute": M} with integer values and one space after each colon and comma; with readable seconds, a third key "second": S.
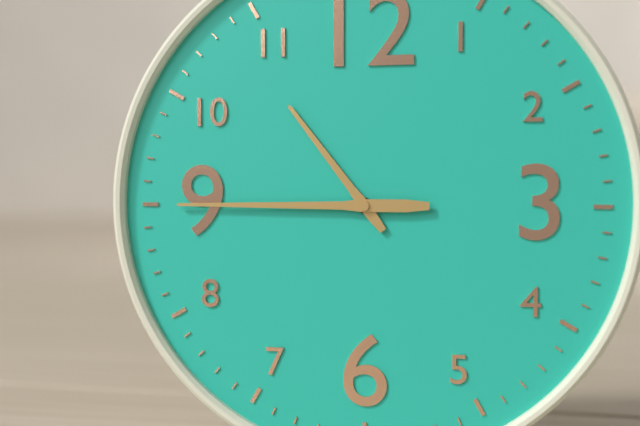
{"hour": 10, "minute": 45}
